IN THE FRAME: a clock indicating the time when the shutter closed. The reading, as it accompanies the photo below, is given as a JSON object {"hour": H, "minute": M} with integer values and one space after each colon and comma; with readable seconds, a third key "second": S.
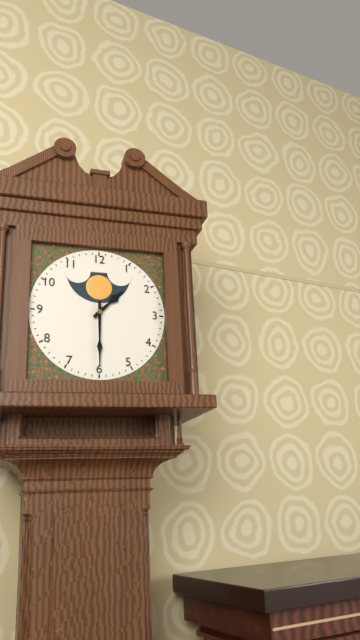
{"hour": 1, "minute": 30}
